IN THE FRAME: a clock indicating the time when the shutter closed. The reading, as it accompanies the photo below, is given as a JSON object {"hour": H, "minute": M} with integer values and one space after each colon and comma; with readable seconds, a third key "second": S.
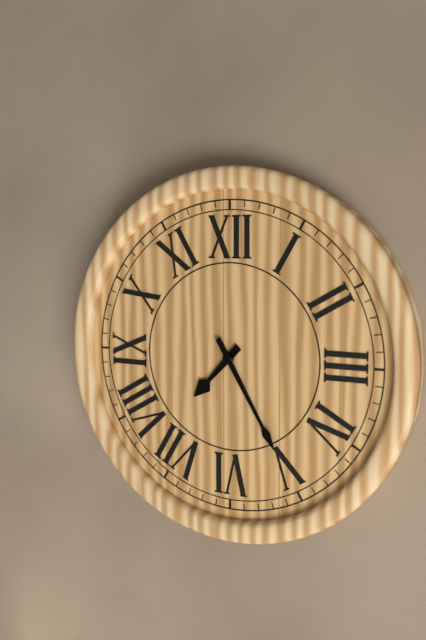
{"hour": 7, "minute": 25}
